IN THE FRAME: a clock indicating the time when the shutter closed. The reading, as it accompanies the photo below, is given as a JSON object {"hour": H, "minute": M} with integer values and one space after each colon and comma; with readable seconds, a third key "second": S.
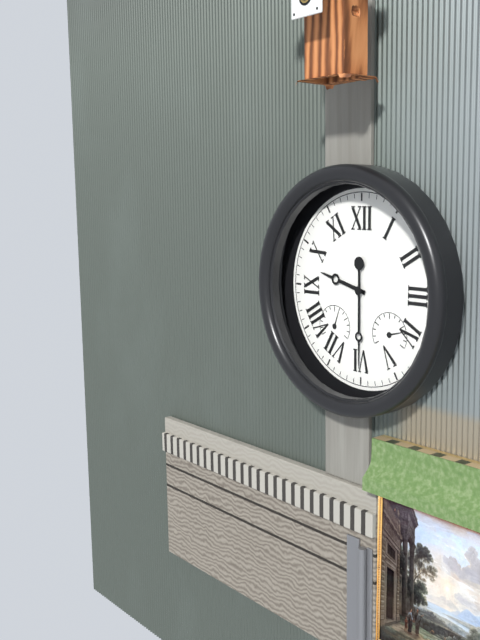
{"hour": 9, "minute": 30}
